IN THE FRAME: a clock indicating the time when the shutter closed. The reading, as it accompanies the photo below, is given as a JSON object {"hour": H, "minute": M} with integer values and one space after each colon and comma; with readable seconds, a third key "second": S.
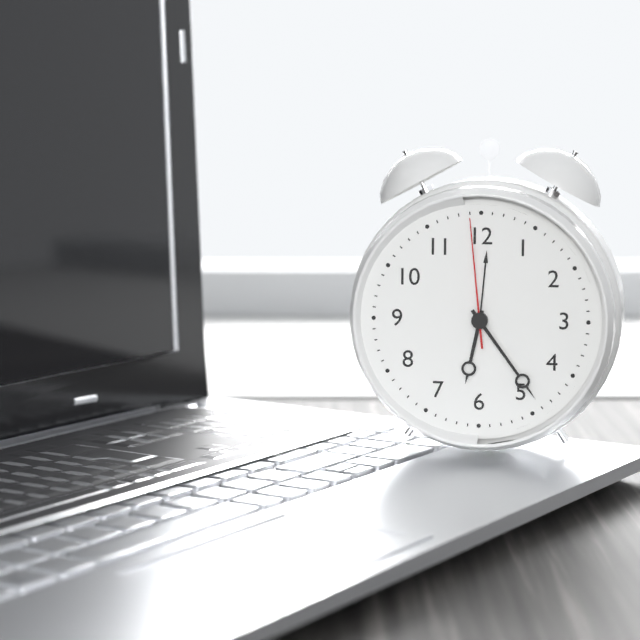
{"hour": 6, "minute": 24, "second": 59}
